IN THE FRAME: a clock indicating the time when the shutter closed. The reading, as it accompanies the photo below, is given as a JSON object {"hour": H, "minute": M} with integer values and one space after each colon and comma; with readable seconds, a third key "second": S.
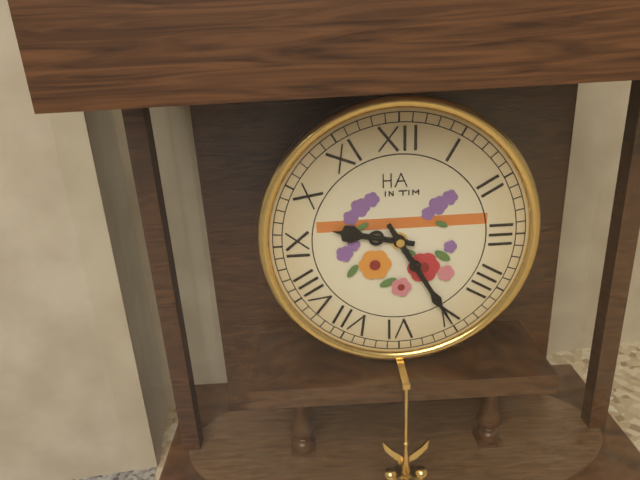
{"hour": 9, "minute": 25}
